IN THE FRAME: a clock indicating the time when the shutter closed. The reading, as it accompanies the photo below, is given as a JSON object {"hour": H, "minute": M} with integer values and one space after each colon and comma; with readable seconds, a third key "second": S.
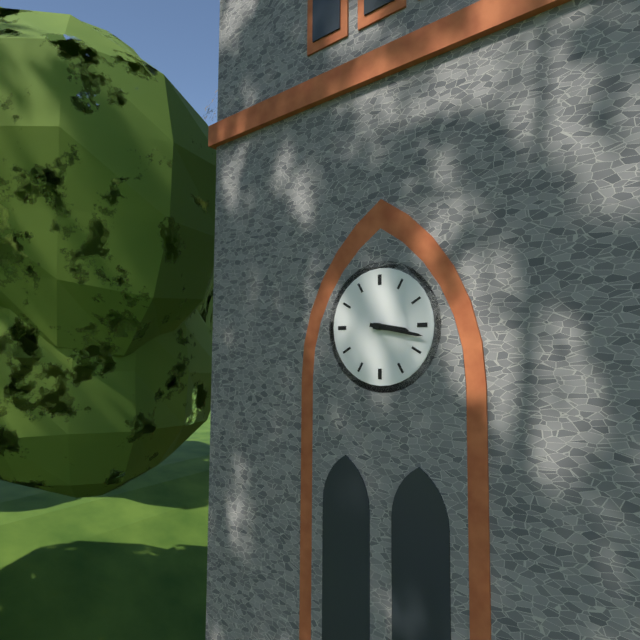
{"hour": 3, "minute": 17}
